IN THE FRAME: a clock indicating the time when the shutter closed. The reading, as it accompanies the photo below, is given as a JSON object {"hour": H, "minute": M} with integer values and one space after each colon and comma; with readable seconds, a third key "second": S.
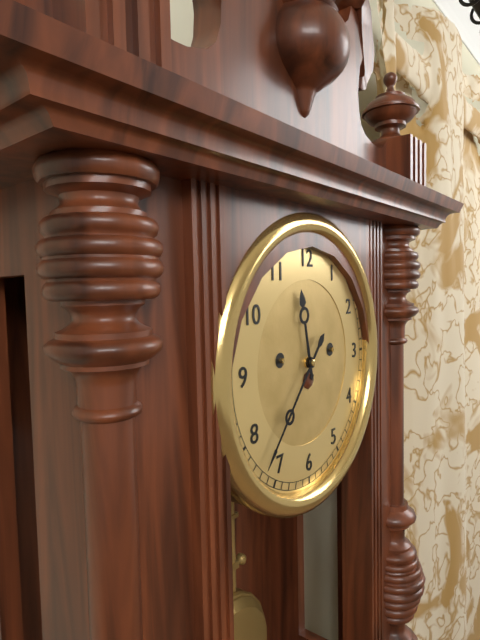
{"hour": 11, "minute": 37}
